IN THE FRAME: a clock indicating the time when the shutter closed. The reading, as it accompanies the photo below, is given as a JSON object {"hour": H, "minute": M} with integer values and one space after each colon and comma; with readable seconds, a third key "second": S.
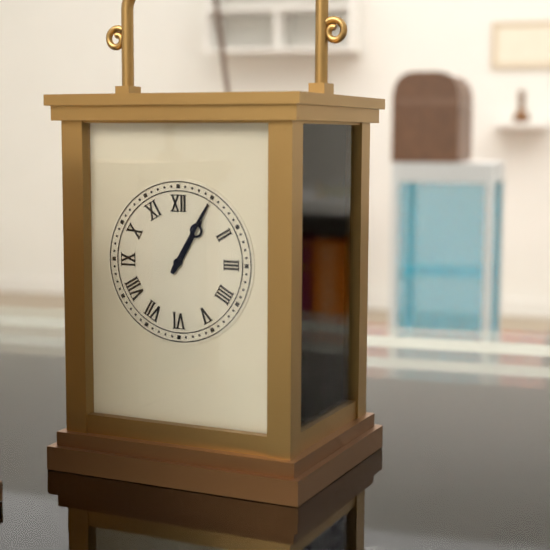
{"hour": 1, "minute": 5}
